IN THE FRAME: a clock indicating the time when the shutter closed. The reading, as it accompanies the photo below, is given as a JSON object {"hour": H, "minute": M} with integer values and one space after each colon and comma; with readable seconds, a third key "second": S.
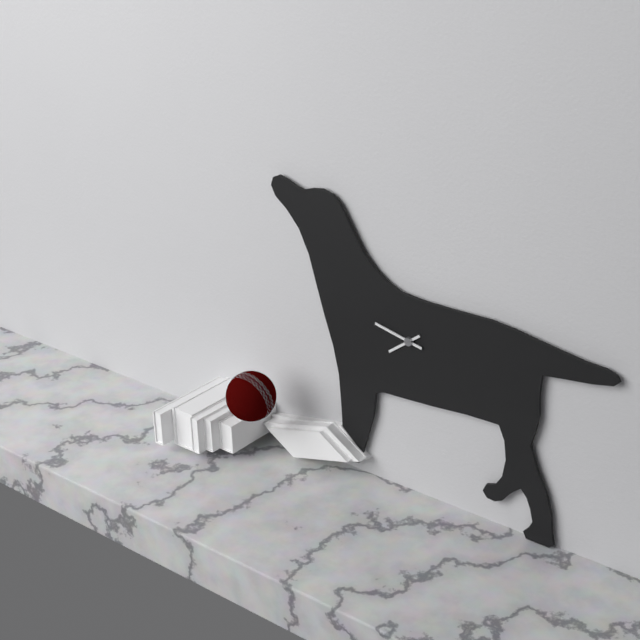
{"hour": 7, "minute": 47}
